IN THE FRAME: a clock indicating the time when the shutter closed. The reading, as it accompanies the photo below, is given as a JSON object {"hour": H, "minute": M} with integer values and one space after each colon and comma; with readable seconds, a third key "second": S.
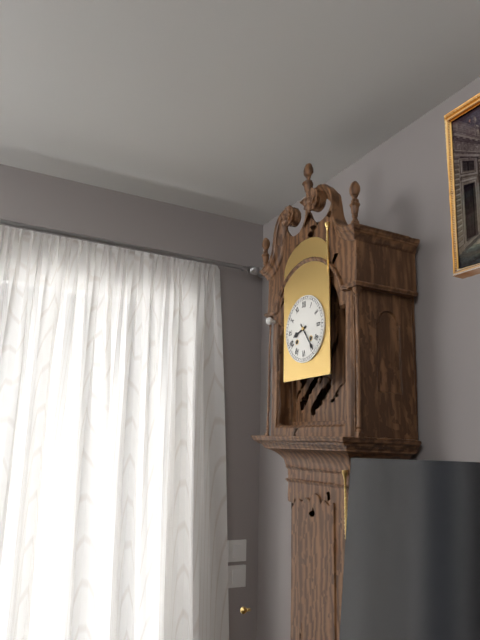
{"hour": 8, "minute": 24}
